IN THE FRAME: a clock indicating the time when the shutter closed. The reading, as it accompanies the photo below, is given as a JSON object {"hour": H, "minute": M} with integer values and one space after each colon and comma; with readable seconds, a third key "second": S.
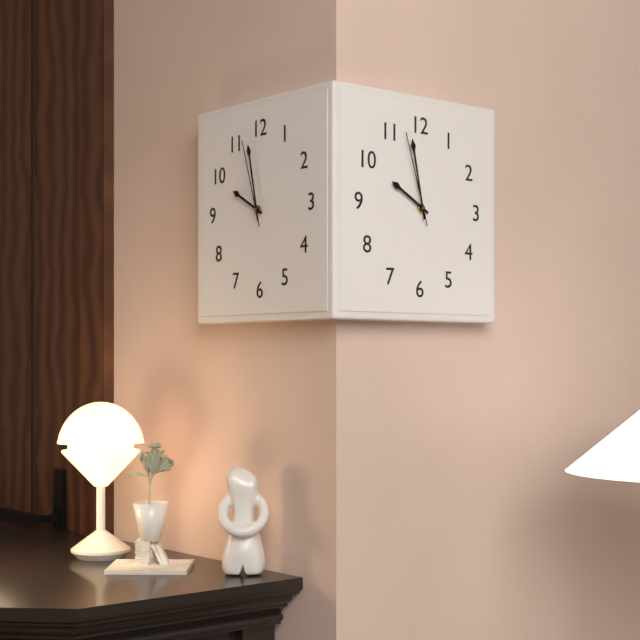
{"hour": 9, "minute": 58, "second": 57}
